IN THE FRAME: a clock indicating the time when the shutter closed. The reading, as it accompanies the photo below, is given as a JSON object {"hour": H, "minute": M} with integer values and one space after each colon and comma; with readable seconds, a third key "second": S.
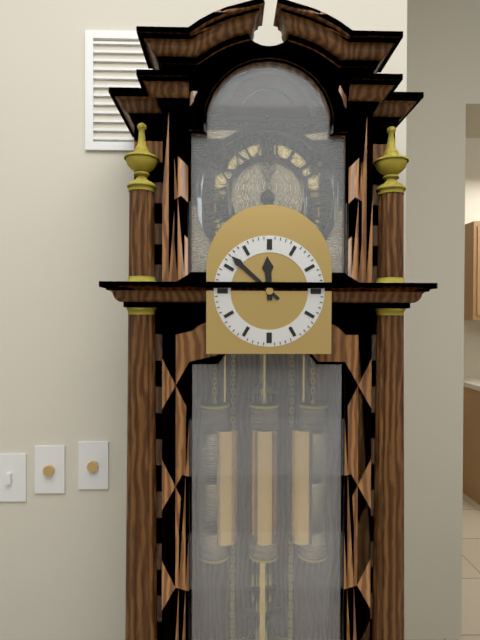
{"hour": 11, "minute": 52}
